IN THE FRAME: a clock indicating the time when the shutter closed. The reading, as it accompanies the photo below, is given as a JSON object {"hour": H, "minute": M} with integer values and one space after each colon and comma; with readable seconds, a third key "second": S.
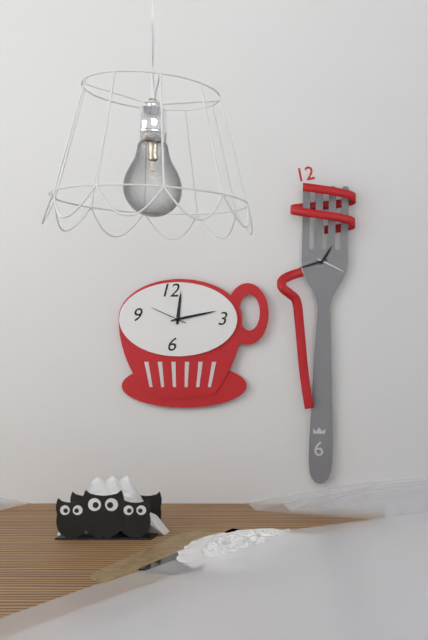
{"hour": 12, "minute": 13}
